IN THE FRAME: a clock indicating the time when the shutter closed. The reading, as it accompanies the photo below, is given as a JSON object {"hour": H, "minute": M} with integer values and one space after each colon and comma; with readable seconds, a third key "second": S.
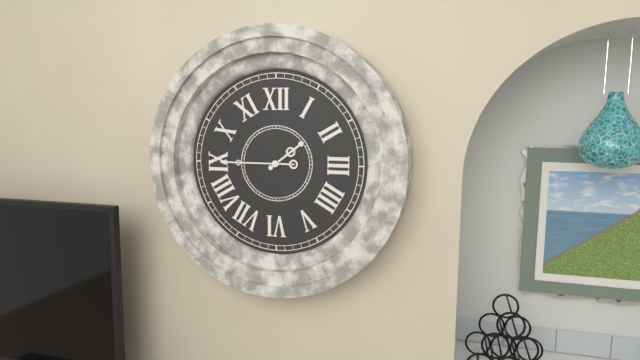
{"hour": 1, "minute": 45}
